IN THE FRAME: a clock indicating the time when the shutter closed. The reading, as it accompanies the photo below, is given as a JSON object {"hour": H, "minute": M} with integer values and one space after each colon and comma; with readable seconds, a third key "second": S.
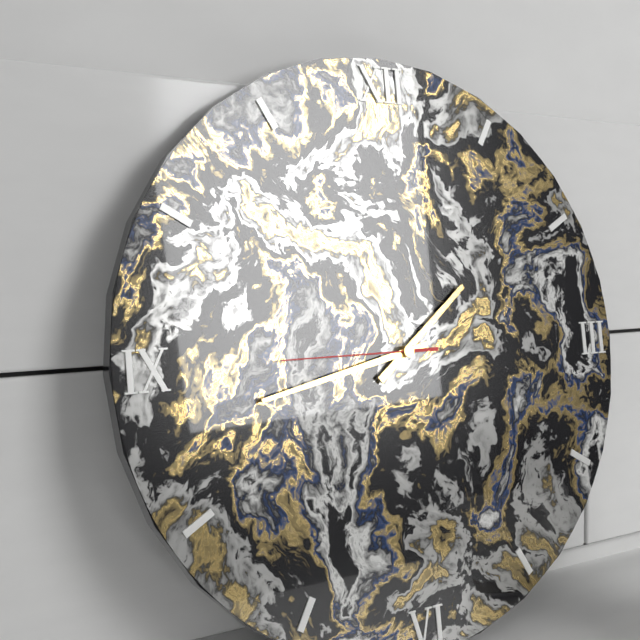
{"hour": 1, "minute": 43, "second": 45}
